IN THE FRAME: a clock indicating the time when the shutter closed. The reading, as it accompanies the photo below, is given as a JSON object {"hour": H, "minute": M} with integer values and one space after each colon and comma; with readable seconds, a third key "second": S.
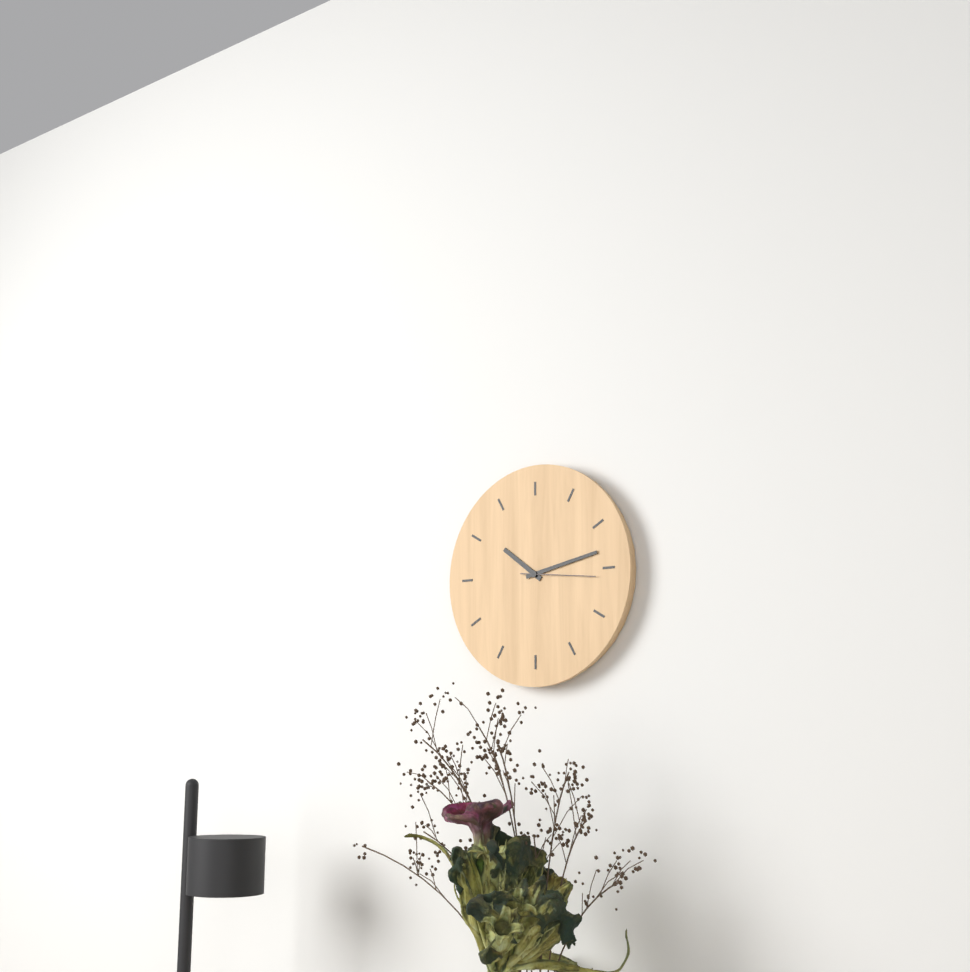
{"hour": 10, "minute": 13, "second": 16}
